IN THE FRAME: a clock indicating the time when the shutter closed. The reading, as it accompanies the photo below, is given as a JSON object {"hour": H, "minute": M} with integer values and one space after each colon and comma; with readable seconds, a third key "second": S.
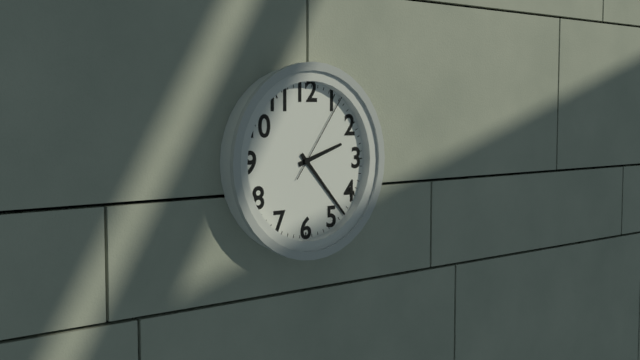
{"hour": 2, "minute": 23, "second": 6}
